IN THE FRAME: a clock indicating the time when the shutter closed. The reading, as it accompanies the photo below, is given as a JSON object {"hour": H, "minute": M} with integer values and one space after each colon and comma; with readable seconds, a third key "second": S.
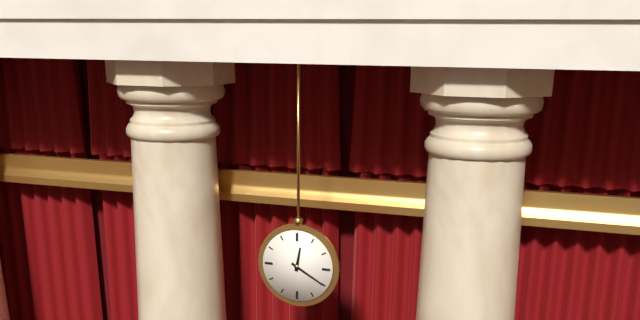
{"hour": 12, "minute": 20}
